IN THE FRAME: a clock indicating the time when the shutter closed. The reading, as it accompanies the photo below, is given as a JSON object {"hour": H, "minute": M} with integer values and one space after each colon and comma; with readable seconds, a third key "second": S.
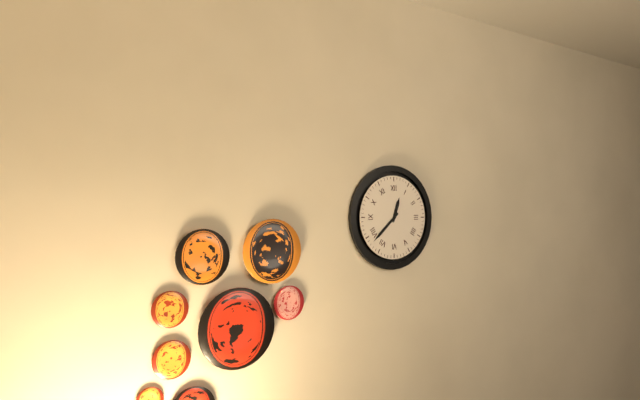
{"hour": 12, "minute": 38}
